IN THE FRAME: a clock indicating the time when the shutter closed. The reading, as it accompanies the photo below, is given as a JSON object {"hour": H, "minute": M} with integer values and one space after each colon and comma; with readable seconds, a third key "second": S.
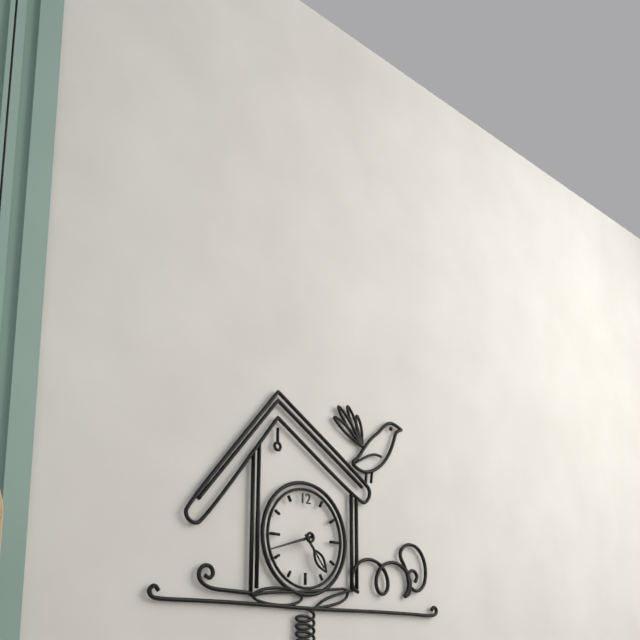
{"hour": 4, "minute": 42}
